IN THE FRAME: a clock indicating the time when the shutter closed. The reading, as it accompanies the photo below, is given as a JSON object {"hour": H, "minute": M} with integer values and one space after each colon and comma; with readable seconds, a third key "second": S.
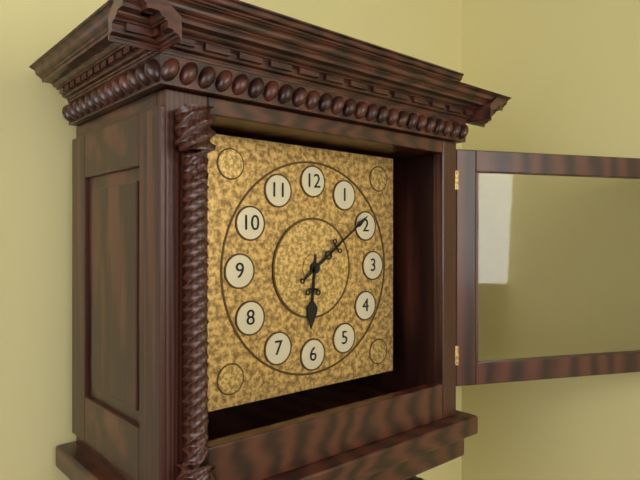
{"hour": 6, "minute": 9}
